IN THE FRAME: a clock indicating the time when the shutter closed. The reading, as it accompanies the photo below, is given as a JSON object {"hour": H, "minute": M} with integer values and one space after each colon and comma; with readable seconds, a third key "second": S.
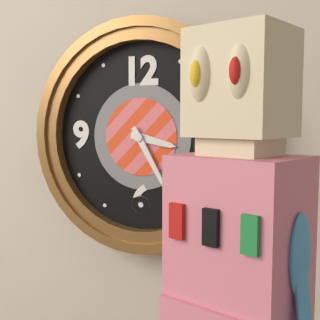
{"hour": 3, "minute": 25}
